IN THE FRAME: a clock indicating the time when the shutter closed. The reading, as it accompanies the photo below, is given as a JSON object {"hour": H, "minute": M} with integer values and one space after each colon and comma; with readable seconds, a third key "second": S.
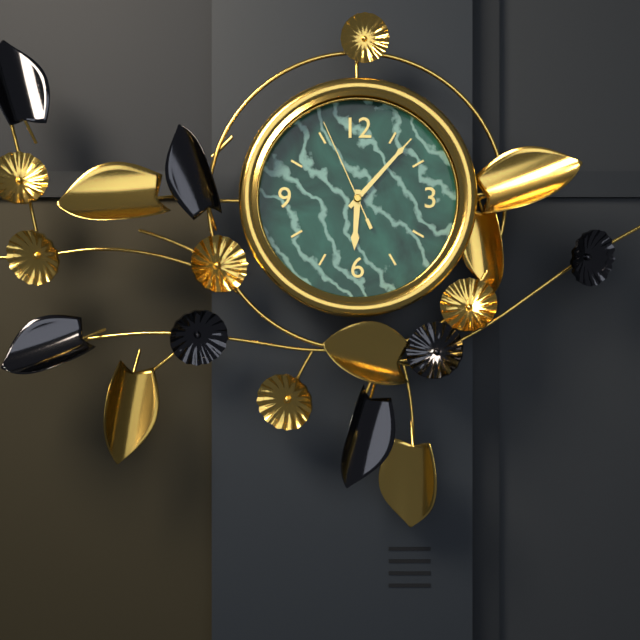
{"hour": 6, "minute": 7, "second": 56}
